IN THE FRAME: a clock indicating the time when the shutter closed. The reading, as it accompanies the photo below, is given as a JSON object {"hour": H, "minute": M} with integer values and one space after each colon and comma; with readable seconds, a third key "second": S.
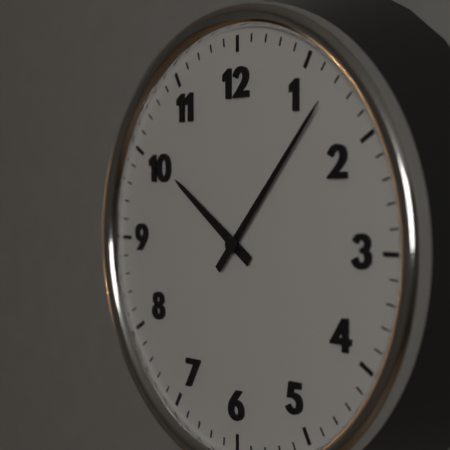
{"hour": 10, "minute": 7}
